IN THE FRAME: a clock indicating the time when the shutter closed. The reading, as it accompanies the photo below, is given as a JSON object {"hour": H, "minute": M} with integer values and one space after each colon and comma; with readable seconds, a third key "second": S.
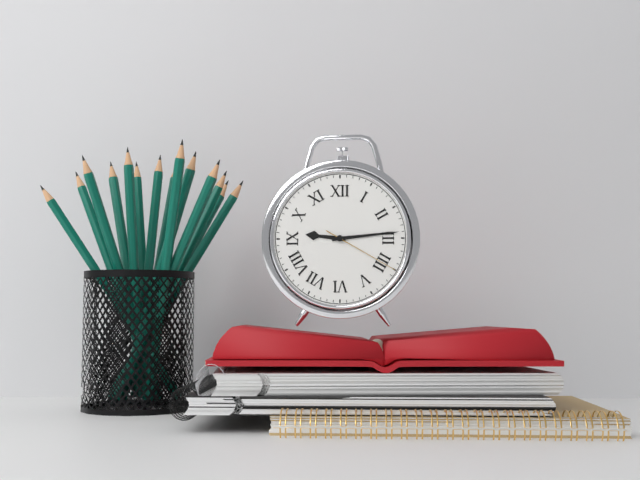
{"hour": 9, "minute": 14, "second": 20}
